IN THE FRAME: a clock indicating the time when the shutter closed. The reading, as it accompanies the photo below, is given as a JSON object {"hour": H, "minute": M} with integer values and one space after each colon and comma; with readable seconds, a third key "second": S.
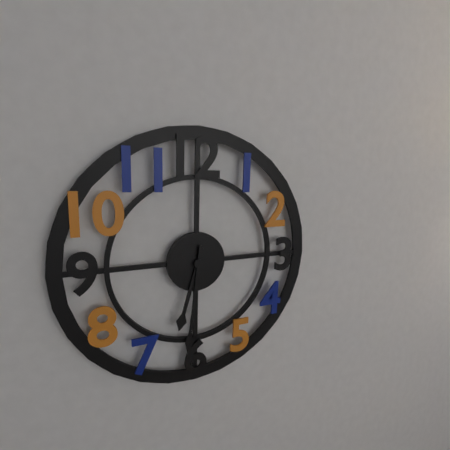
{"hour": 6, "minute": 31}
